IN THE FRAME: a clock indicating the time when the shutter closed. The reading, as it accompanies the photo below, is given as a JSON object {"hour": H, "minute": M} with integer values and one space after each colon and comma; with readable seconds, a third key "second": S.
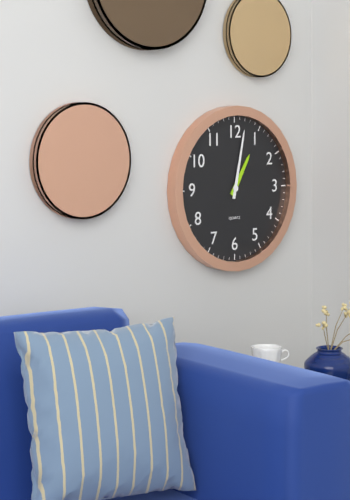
{"hour": 1, "minute": 2}
